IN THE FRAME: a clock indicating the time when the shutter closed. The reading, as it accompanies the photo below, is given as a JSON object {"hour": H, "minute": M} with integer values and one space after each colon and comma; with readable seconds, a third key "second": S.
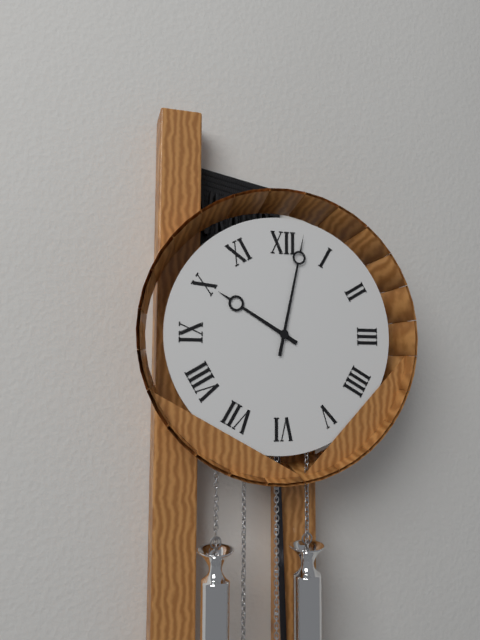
{"hour": 10, "minute": 2}
